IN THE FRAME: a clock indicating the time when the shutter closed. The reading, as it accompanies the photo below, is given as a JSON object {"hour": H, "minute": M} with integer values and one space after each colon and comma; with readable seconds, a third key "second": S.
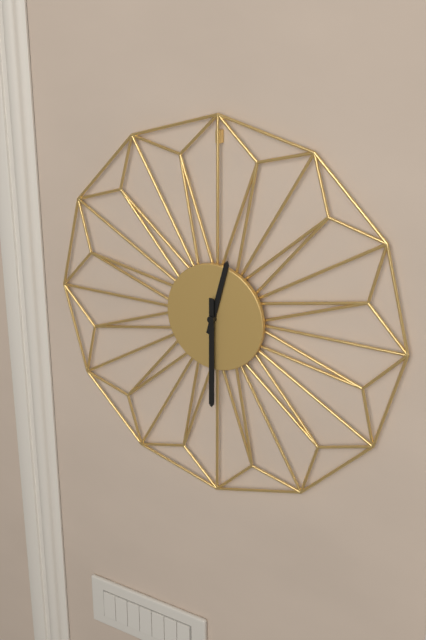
{"hour": 12, "minute": 30}
